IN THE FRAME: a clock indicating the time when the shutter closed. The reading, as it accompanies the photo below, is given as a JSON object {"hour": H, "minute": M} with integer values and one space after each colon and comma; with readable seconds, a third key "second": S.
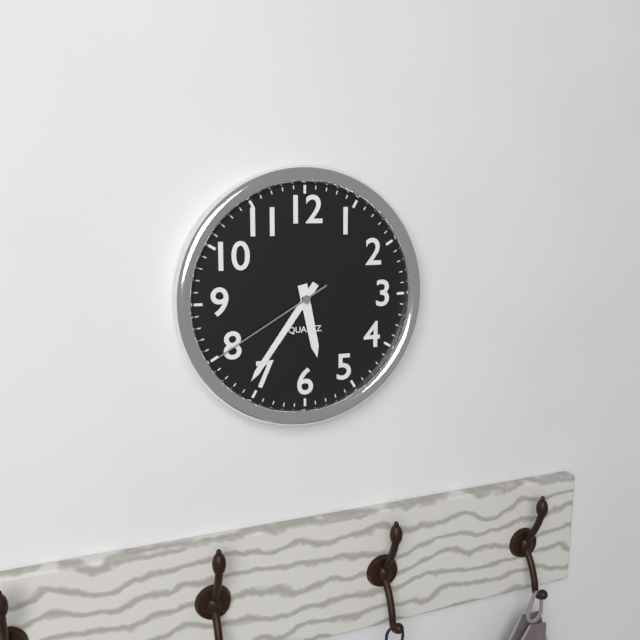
{"hour": 5, "minute": 36, "second": 40}
